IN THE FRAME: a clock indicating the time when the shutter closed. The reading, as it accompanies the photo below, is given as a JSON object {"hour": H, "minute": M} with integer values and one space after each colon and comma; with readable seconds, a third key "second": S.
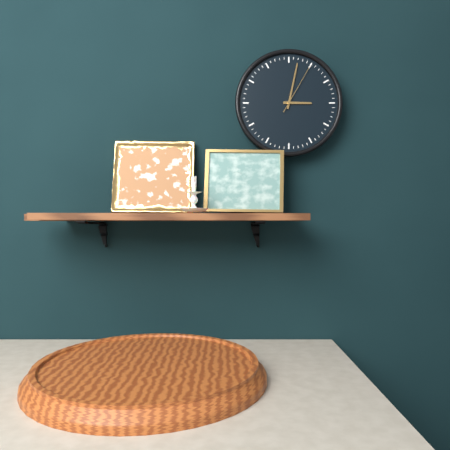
{"hour": 3, "minute": 2, "second": 5}
